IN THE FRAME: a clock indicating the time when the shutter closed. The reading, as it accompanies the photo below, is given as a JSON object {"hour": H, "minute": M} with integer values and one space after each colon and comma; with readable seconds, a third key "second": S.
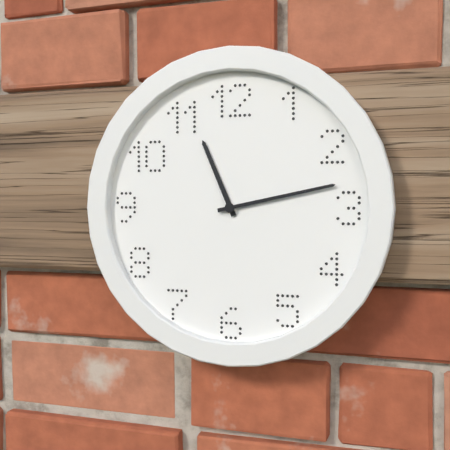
{"hour": 11, "minute": 13}
